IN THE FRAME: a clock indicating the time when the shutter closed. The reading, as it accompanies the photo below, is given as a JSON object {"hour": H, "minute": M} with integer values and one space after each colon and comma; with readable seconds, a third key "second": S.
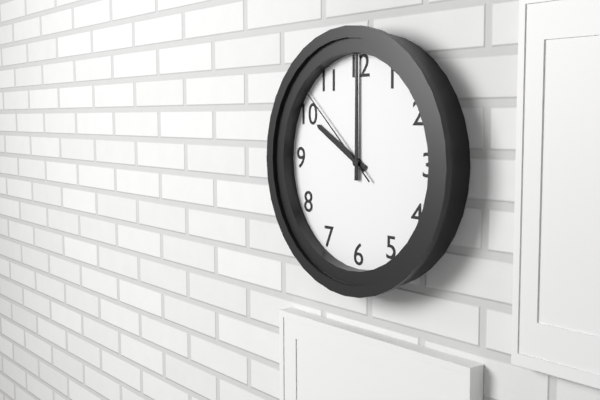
{"hour": 10, "minute": 0, "second": 52}
